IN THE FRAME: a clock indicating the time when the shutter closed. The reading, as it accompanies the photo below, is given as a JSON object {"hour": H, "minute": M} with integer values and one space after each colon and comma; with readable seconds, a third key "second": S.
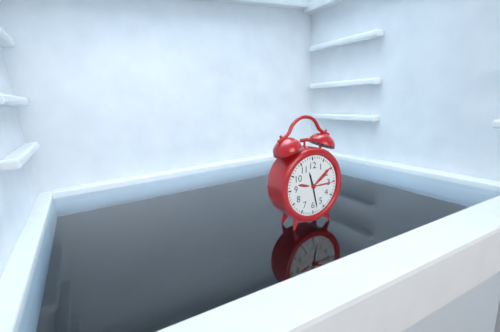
{"hour": 11, "minute": 28}
